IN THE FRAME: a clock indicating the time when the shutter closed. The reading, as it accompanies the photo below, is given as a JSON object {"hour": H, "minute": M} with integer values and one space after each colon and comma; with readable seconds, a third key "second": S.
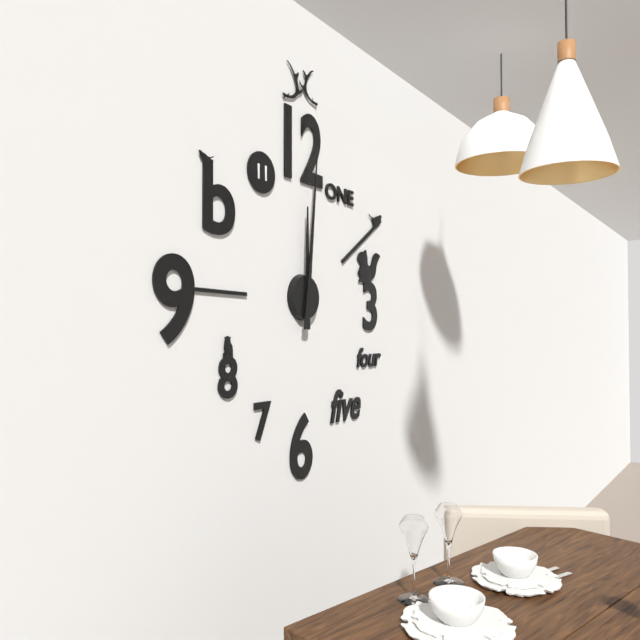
{"hour": 12, "minute": 1}
